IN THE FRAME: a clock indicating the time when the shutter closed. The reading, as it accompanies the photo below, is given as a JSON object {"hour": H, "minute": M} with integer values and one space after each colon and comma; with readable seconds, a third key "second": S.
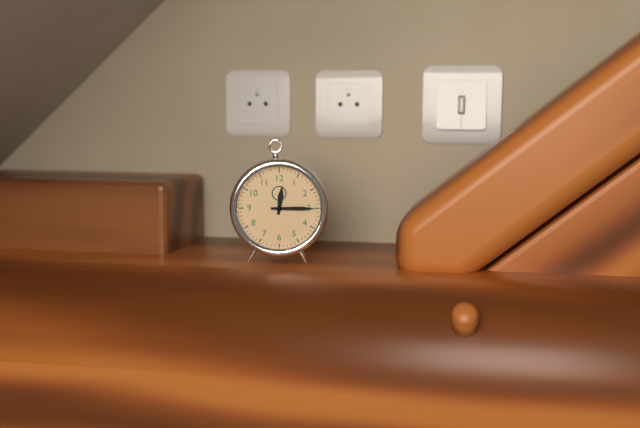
{"hour": 12, "minute": 15}
